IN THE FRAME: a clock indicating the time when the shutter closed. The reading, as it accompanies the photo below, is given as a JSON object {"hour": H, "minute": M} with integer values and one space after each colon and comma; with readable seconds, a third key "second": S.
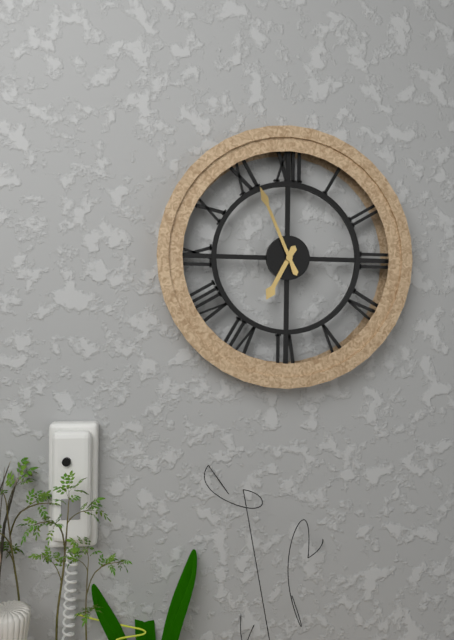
{"hour": 6, "minute": 56}
